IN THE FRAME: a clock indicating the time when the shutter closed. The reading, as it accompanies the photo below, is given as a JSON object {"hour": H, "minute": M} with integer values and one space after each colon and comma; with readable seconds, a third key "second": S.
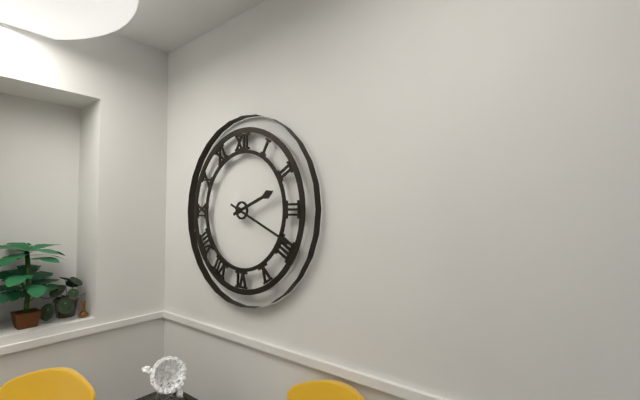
{"hour": 2, "minute": 19}
